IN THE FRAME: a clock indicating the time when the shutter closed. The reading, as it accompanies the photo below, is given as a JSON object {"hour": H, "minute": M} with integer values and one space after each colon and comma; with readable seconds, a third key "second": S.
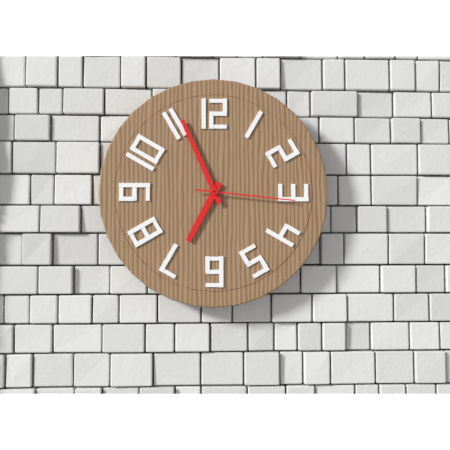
{"hour": 6, "minute": 56, "second": 16}
